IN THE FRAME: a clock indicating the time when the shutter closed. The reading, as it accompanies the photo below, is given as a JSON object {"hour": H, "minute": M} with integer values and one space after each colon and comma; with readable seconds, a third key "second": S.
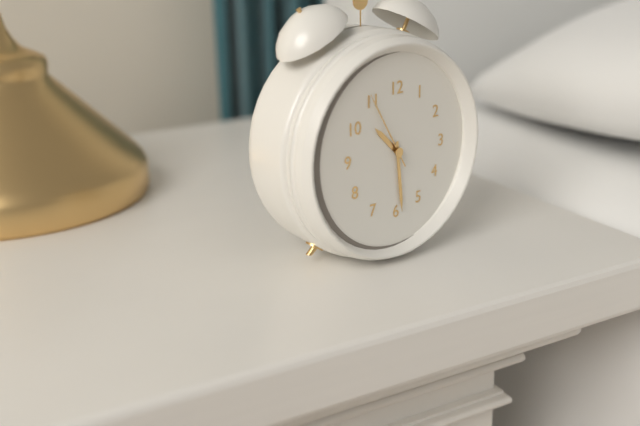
{"hour": 10, "minute": 29, "second": 55}
